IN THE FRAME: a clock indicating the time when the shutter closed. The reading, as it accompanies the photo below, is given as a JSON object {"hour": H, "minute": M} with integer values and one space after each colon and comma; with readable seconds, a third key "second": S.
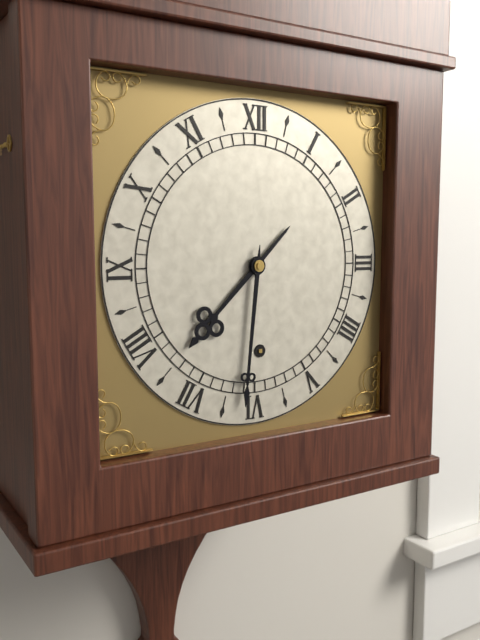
{"hour": 7, "minute": 31}
